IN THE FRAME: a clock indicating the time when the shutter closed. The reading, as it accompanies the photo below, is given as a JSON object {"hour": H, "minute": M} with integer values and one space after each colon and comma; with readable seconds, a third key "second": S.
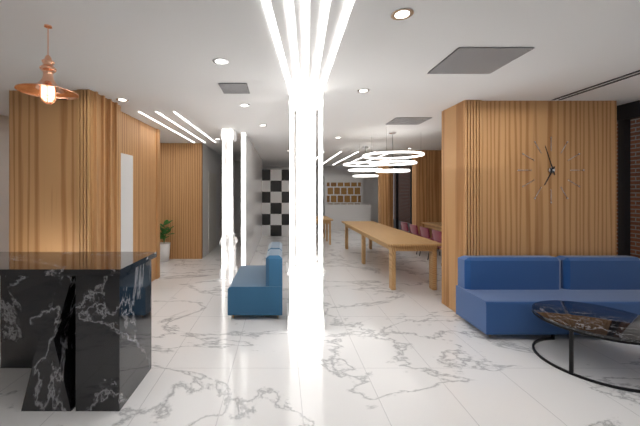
{"hour": 6, "minute": 57}
